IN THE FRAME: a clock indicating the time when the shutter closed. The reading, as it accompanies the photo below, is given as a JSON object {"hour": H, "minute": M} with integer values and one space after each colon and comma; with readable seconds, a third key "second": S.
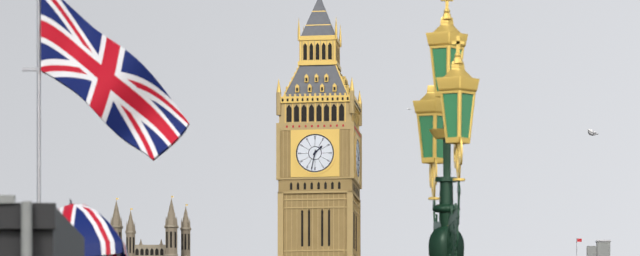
{"hour": 1, "minute": 32}
